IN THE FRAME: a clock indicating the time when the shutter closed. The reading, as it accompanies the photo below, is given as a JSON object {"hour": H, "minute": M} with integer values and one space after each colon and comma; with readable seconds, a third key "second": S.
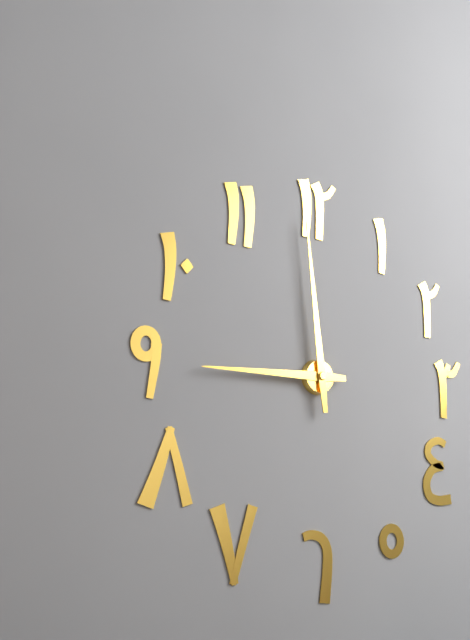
{"hour": 8, "minute": 59}
